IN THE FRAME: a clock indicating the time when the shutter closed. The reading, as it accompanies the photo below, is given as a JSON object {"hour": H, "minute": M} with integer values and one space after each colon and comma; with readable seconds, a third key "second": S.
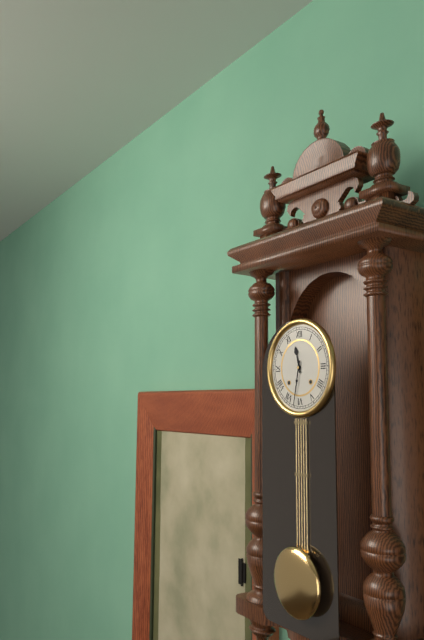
{"hour": 11, "minute": 32}
